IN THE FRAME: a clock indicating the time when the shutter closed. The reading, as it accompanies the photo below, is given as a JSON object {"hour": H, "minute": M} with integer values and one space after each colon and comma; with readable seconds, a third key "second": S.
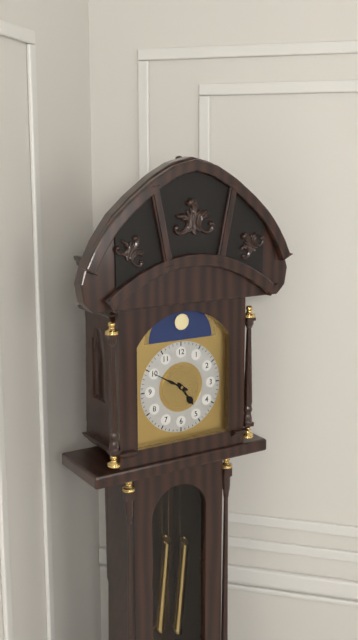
{"hour": 4, "minute": 50}
